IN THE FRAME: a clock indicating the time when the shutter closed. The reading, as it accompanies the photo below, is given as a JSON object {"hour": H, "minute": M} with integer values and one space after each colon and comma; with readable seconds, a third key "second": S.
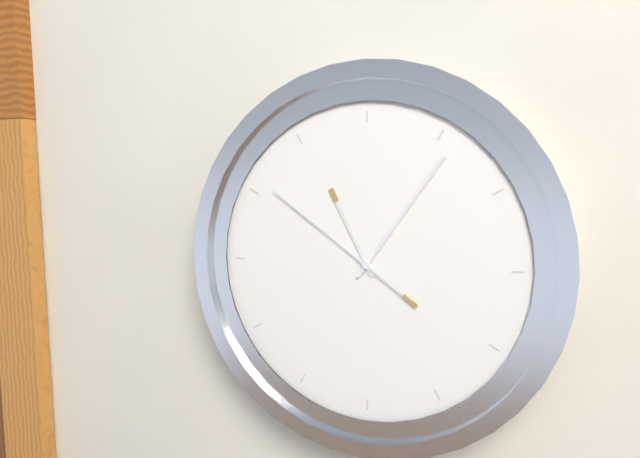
{"hour": 11, "minute": 6, "second": 51}
